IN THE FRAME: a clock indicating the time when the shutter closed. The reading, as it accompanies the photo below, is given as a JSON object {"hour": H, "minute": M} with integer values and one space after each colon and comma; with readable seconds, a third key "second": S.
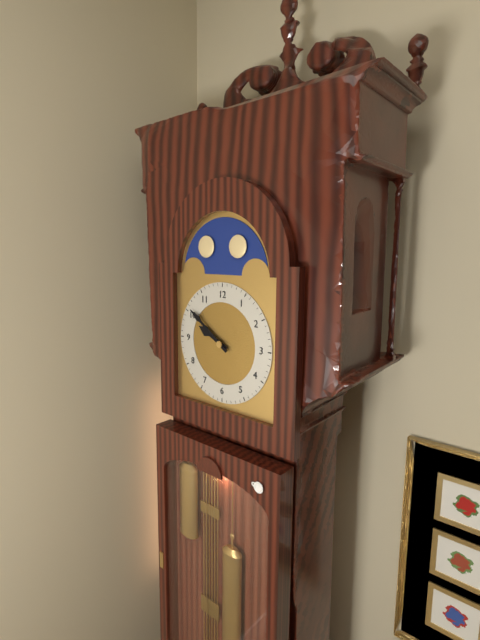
{"hour": 9, "minute": 51}
